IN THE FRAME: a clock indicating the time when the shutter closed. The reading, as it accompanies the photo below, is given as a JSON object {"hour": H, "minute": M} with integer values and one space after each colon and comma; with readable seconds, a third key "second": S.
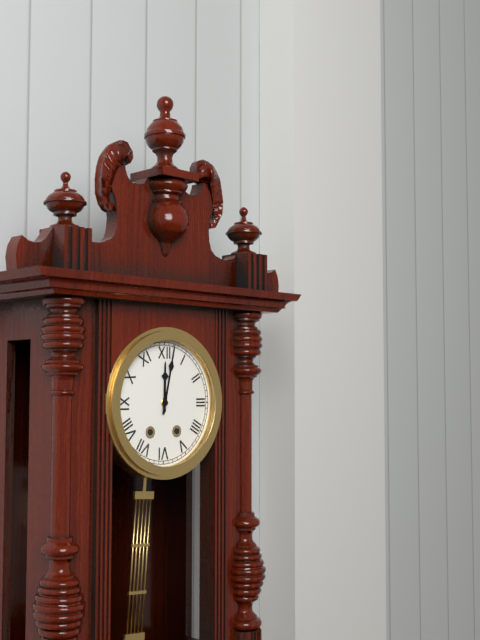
{"hour": 12, "minute": 2}
